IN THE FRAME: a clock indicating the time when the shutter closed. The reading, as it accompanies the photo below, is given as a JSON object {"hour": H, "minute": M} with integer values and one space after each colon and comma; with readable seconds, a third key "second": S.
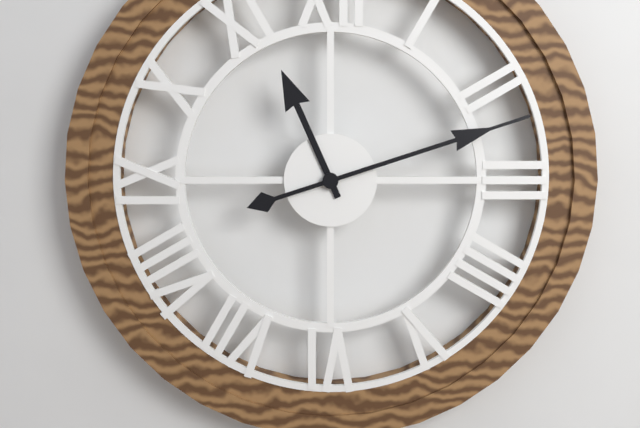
{"hour": 11, "minute": 12}
